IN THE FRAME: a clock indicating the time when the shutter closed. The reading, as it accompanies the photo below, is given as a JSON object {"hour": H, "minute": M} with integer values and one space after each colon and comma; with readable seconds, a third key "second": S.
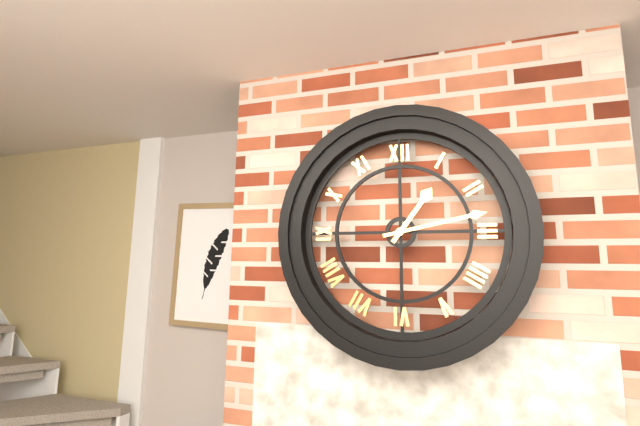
{"hour": 1, "minute": 13}
